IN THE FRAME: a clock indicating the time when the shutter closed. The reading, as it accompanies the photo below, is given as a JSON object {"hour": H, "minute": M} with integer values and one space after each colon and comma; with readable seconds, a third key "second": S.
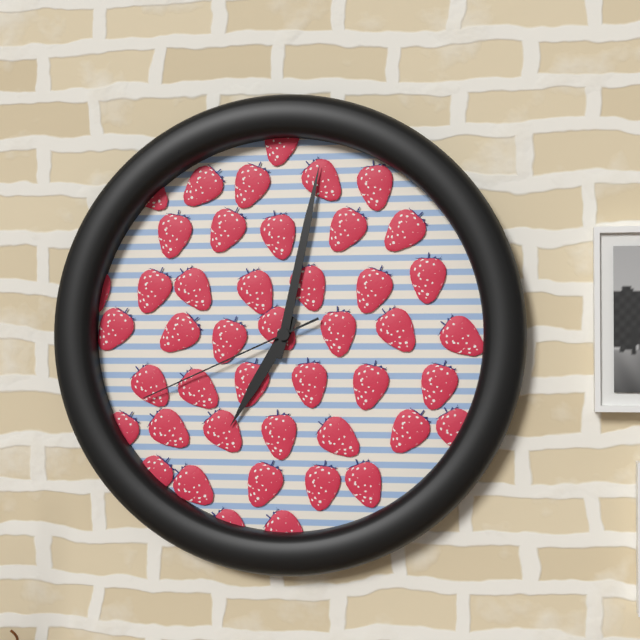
{"hour": 7, "minute": 2, "second": 41}
